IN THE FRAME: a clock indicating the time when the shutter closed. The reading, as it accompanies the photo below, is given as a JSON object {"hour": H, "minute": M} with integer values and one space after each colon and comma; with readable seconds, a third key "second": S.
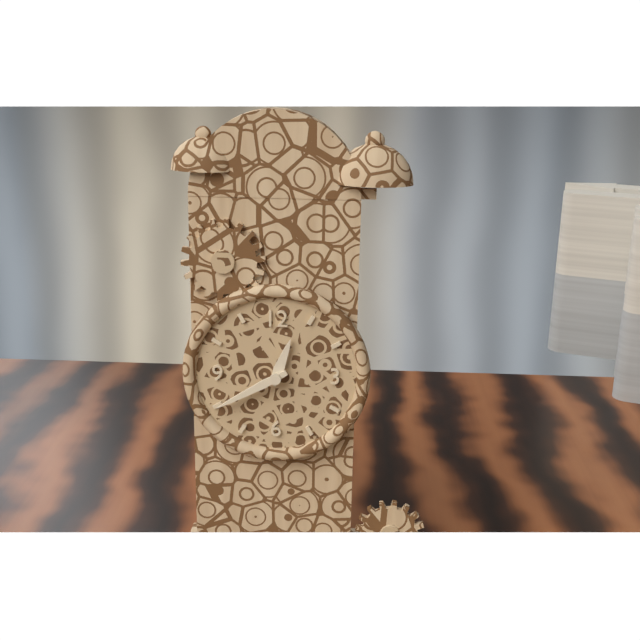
{"hour": 12, "minute": 40}
